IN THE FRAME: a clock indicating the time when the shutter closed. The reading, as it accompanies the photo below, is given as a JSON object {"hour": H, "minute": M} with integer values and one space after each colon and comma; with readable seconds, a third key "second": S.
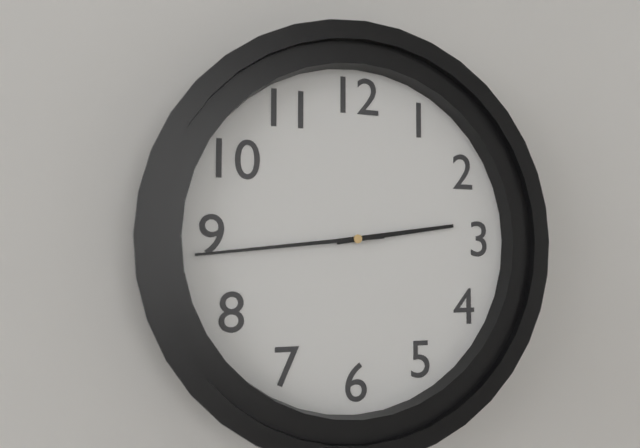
{"hour": 2, "minute": 44}
